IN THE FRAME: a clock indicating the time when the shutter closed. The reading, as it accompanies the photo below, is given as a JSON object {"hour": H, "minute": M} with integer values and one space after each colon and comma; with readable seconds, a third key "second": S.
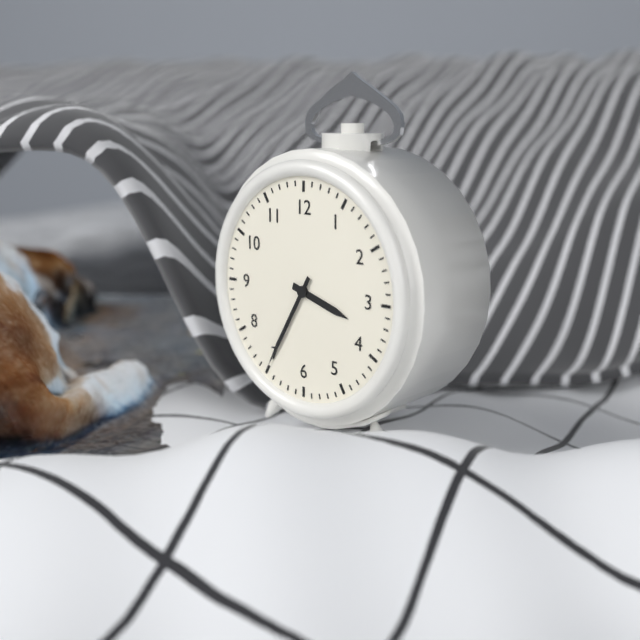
{"hour": 3, "minute": 35}
